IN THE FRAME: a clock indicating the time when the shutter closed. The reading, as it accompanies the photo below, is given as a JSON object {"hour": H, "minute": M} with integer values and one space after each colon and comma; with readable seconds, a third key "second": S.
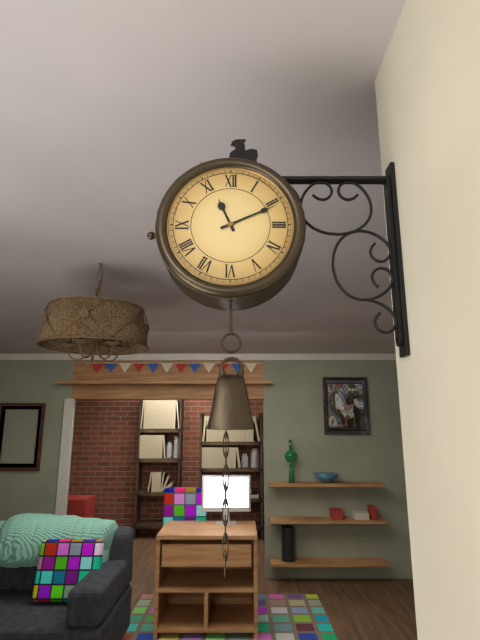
{"hour": 11, "minute": 11}
